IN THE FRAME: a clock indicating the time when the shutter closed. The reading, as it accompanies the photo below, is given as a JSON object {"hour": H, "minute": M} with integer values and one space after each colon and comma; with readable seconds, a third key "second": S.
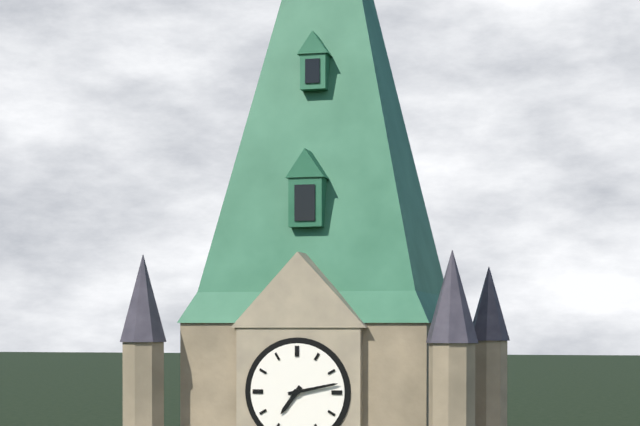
{"hour": 7, "minute": 13}
